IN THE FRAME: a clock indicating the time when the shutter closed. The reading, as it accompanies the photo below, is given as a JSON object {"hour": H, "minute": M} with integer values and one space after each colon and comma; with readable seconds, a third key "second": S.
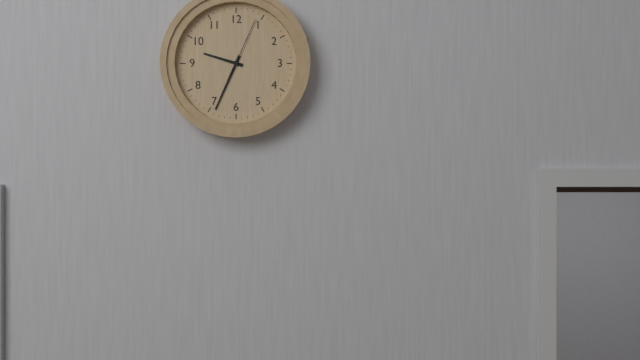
{"hour": 9, "minute": 34, "second": 4}
